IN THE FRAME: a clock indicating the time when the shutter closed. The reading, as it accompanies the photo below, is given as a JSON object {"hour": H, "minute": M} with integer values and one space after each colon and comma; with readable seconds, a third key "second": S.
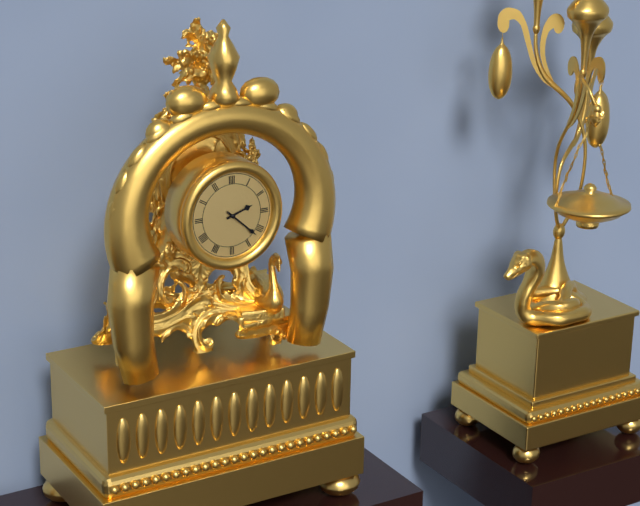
{"hour": 2, "minute": 22}
